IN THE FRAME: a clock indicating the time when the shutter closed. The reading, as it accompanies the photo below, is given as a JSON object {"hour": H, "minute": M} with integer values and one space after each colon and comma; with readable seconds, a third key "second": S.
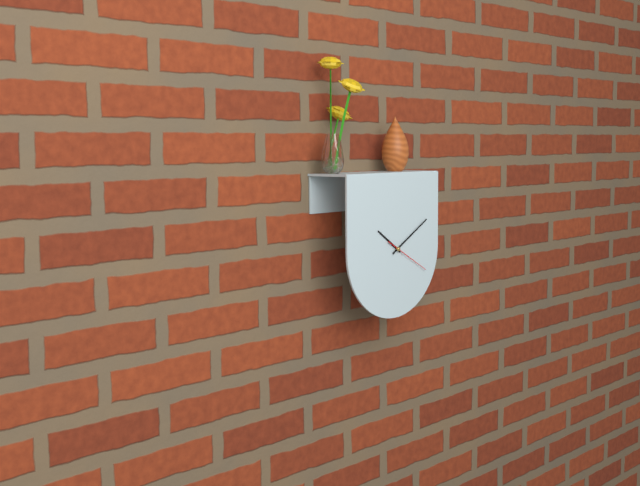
{"hour": 10, "minute": 10}
